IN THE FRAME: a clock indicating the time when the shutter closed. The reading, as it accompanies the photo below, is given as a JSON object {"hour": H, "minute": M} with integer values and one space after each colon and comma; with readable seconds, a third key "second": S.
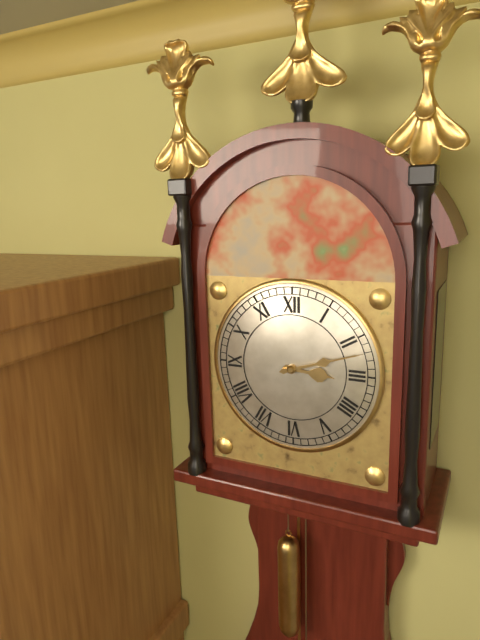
{"hour": 3, "minute": 12}
